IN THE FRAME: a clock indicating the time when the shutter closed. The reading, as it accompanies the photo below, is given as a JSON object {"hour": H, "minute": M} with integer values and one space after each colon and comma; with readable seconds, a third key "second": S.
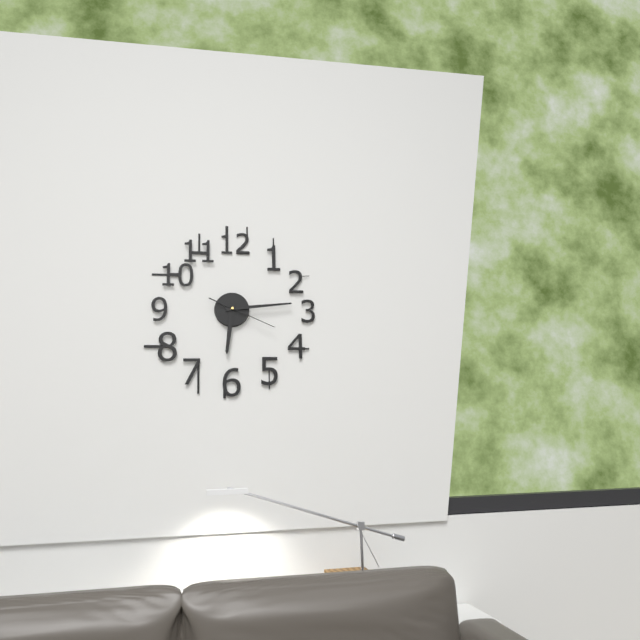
{"hour": 6, "minute": 14, "second": 19}
